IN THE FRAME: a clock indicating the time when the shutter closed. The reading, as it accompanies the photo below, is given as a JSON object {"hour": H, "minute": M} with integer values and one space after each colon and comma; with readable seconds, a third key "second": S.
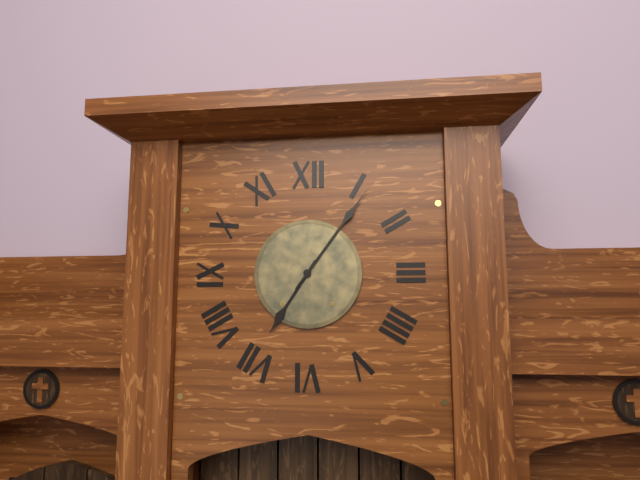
{"hour": 7, "minute": 6}
